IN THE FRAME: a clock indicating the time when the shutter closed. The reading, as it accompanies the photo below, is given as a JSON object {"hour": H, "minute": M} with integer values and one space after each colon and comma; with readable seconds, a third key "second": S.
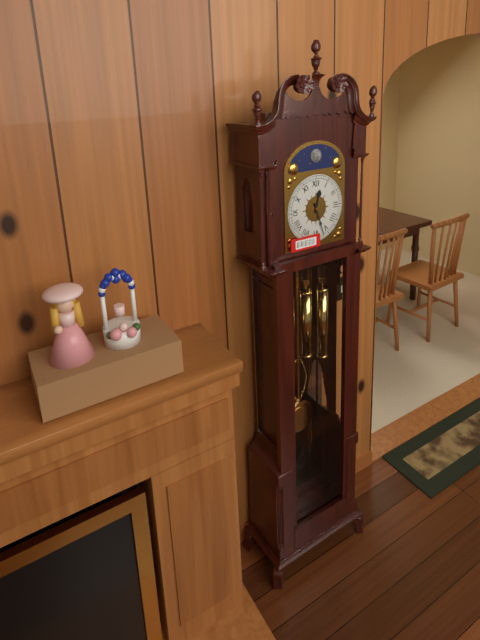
{"hour": 12, "minute": 27}
